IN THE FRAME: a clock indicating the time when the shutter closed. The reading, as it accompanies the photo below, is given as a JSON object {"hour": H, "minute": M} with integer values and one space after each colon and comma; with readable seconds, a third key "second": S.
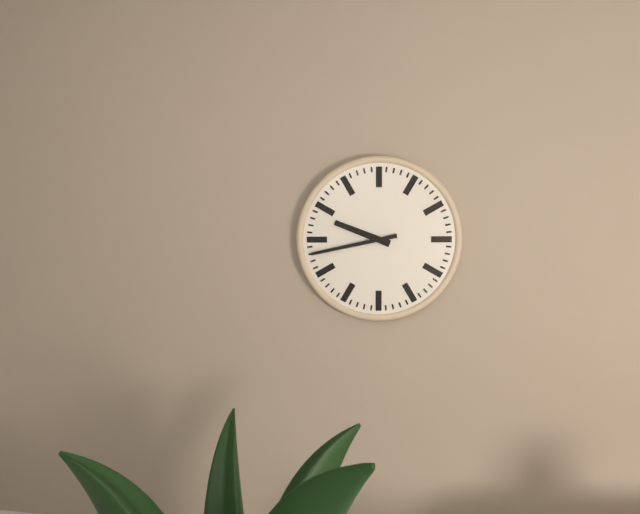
{"hour": 9, "minute": 43}
